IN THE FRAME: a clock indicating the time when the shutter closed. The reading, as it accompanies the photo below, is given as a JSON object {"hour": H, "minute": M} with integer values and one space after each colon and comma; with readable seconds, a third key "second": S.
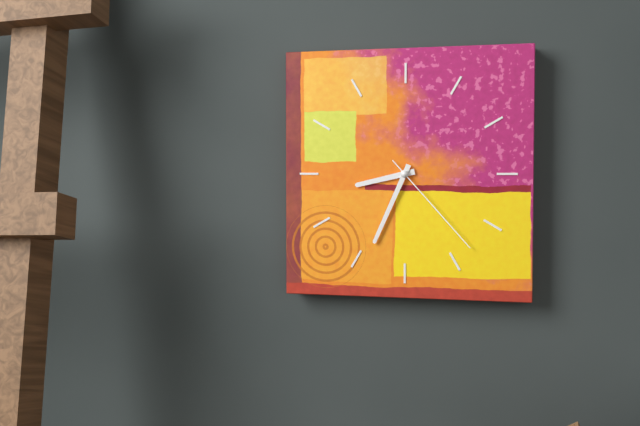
{"hour": 8, "minute": 34, "second": 23}
